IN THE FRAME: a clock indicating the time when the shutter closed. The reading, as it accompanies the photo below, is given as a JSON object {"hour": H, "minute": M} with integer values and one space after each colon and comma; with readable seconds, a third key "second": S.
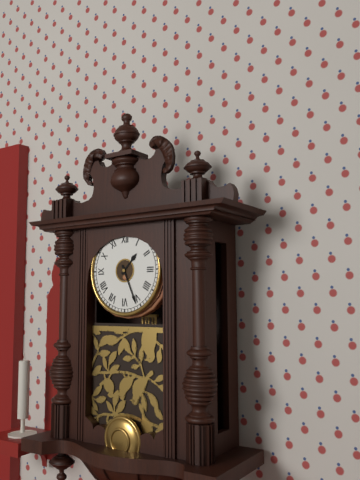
{"hour": 1, "minute": 26}
